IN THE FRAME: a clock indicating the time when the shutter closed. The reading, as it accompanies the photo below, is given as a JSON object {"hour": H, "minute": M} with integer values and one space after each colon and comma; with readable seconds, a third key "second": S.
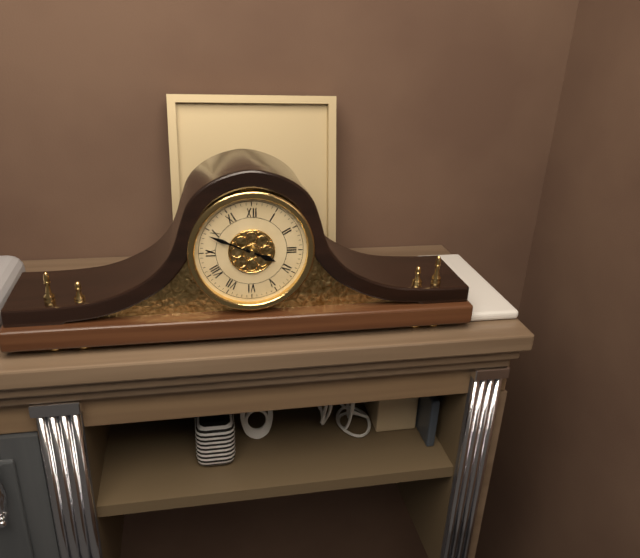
{"hour": 3, "minute": 49}
